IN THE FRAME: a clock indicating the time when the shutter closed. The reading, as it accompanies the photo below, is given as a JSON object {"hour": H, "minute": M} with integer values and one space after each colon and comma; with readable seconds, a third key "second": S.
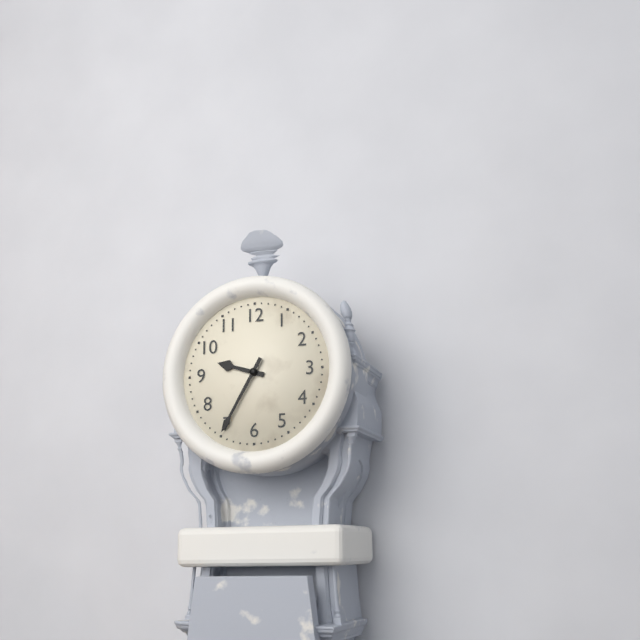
{"hour": 9, "minute": 35}
